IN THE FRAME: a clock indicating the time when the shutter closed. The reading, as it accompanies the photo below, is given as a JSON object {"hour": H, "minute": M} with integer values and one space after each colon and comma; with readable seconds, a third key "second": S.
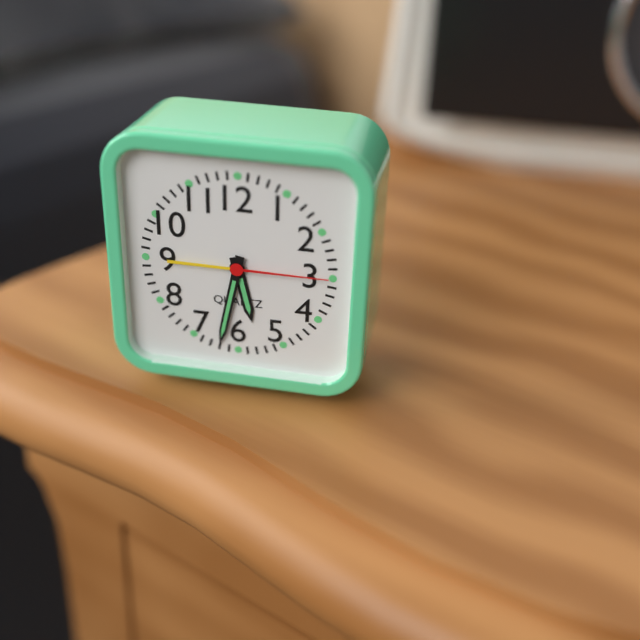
{"hour": 5, "minute": 32, "second": 15}
